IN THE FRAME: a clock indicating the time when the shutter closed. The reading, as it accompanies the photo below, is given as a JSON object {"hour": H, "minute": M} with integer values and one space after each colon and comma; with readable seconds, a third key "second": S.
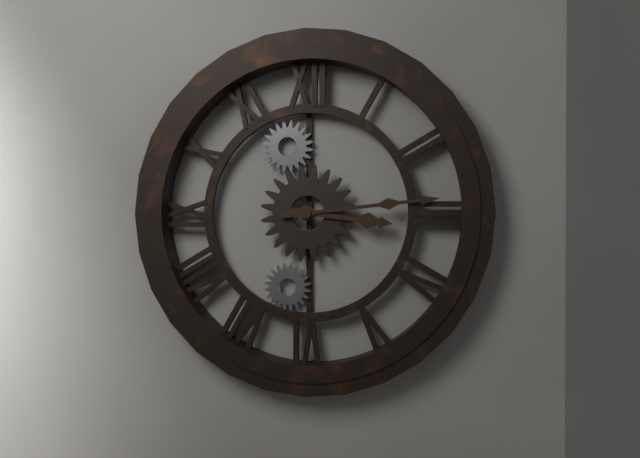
{"hour": 3, "minute": 14}
